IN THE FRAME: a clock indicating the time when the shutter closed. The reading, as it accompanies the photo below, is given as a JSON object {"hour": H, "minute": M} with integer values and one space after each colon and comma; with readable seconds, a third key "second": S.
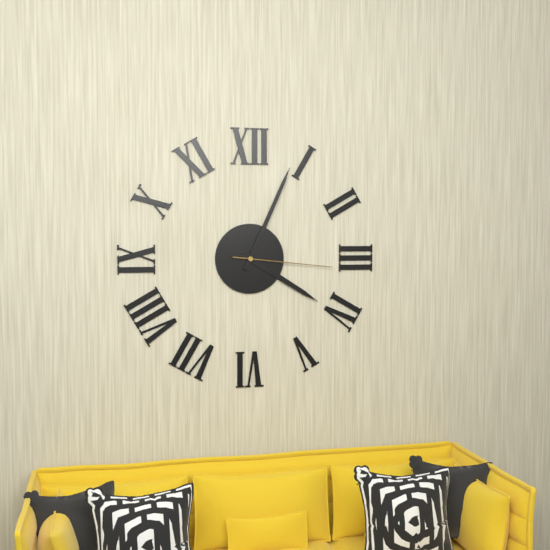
{"hour": 4, "minute": 4, "second": 16}
